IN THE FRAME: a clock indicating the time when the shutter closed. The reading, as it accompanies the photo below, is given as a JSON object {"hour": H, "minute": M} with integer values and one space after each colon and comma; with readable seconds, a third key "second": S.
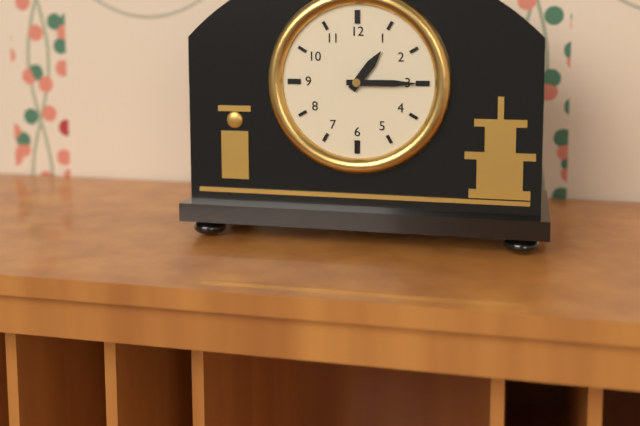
{"hour": 1, "minute": 15}
